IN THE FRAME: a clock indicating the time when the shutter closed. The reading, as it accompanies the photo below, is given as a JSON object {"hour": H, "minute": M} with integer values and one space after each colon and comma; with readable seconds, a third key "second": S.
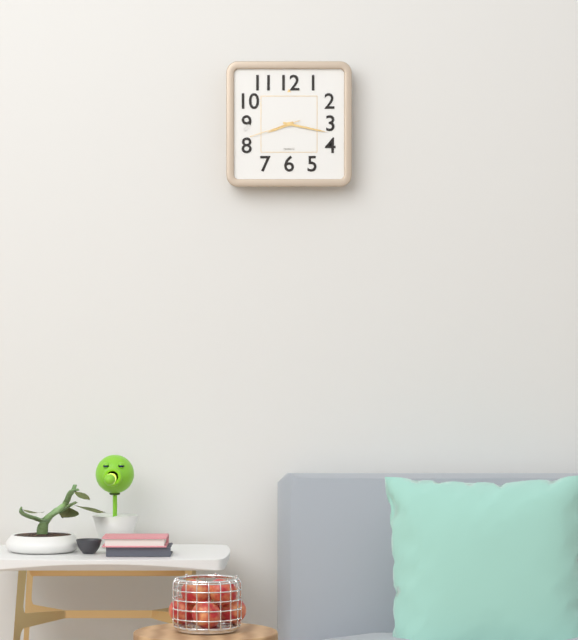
{"hour": 8, "minute": 17, "second": 42}
